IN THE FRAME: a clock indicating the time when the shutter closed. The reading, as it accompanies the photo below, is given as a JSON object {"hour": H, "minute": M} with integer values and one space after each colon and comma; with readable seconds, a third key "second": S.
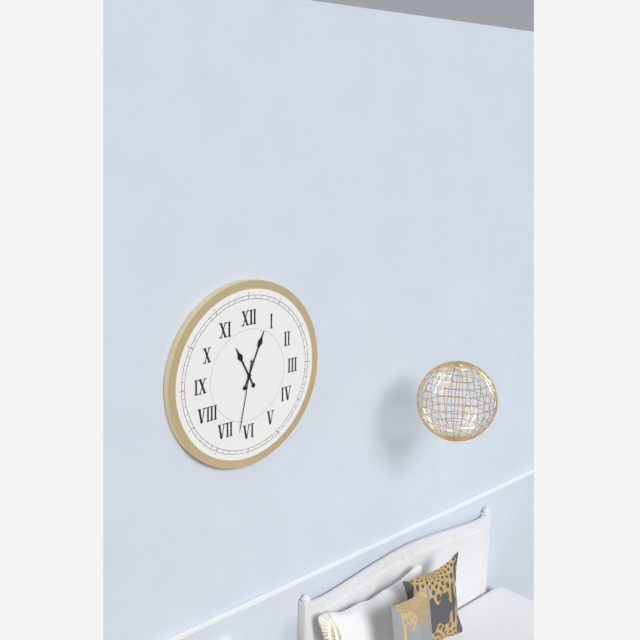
{"hour": 11, "minute": 4, "second": 32}
